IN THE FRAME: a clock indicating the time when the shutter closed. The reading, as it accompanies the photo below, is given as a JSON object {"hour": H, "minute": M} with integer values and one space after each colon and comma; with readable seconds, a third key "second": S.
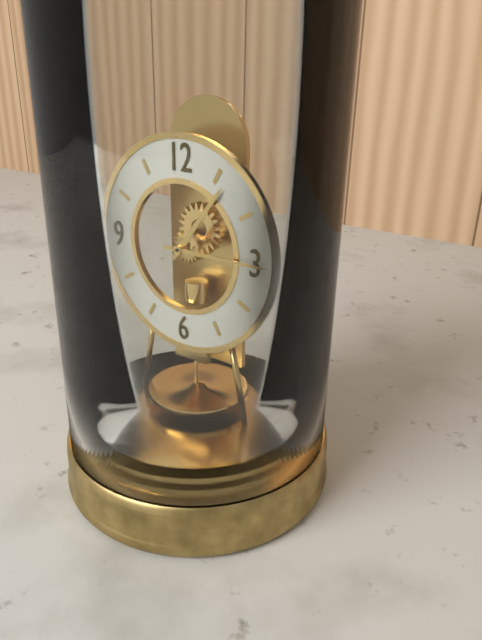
{"hour": 1, "minute": 15}
